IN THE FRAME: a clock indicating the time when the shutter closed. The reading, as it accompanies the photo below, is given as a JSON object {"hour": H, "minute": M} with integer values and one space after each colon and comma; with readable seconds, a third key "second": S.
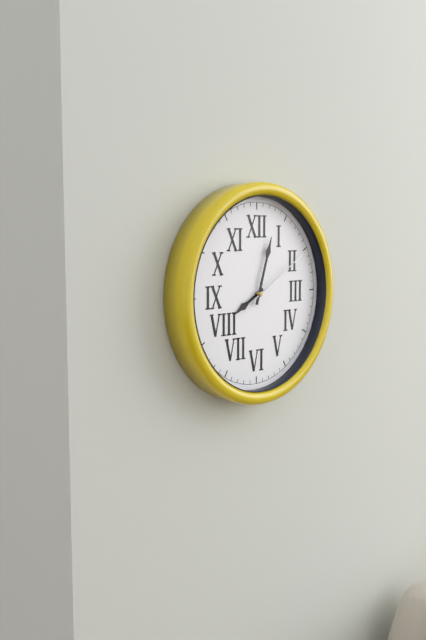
{"hour": 8, "minute": 3, "second": 10}
